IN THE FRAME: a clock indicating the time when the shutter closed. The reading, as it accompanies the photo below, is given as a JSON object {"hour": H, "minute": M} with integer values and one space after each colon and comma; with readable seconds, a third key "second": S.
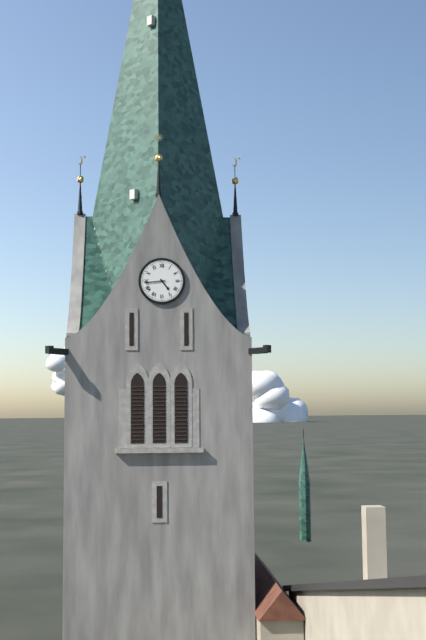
{"hour": 4, "minute": 44}
